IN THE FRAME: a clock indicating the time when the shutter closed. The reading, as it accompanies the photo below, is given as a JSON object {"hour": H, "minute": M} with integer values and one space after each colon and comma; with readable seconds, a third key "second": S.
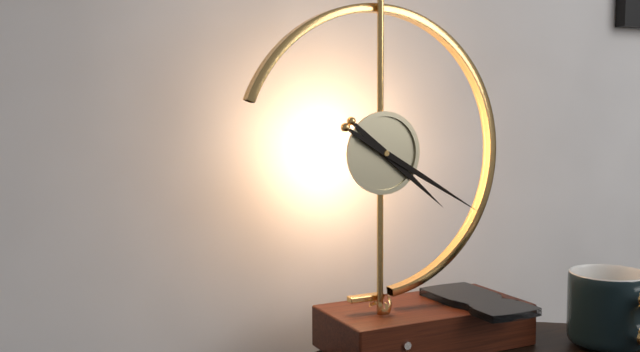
{"hour": 4, "minute": 20}
